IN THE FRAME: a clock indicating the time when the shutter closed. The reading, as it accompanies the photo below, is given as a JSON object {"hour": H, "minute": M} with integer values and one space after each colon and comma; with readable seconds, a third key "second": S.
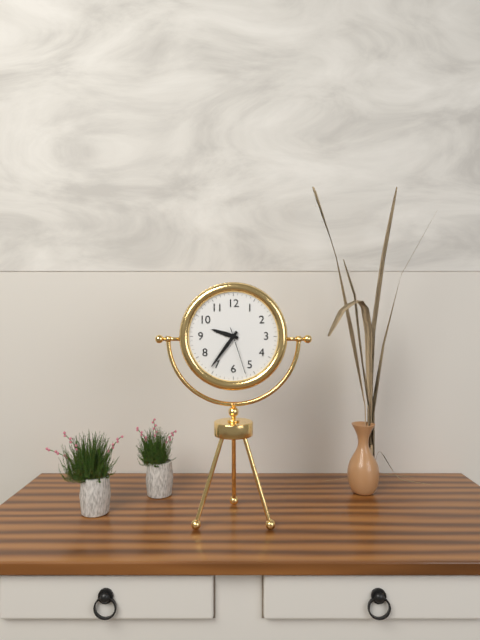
{"hour": 9, "minute": 36}
